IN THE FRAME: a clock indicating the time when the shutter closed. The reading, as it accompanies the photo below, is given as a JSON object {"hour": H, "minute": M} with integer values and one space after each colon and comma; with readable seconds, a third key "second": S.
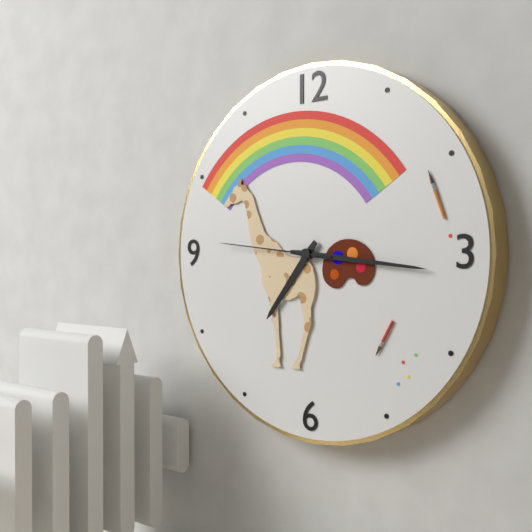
{"hour": 7, "minute": 16, "second": 46}
